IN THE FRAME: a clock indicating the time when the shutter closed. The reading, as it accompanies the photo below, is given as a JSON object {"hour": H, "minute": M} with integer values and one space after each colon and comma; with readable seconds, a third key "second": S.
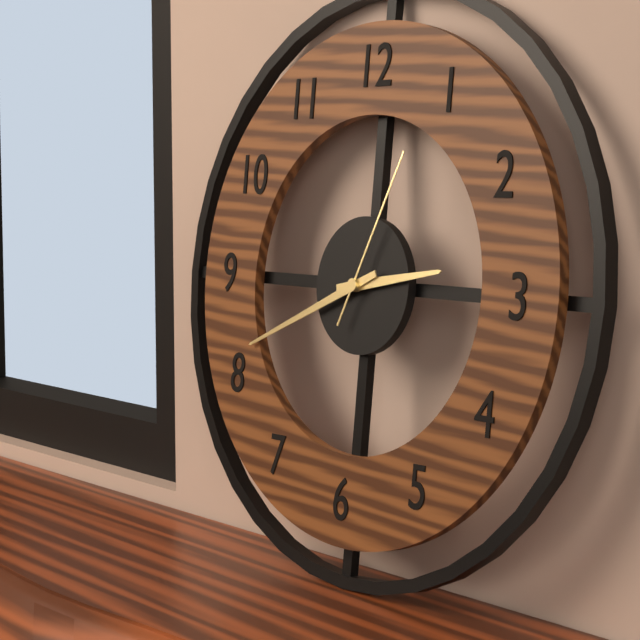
{"hour": 2, "minute": 41, "second": 4}
